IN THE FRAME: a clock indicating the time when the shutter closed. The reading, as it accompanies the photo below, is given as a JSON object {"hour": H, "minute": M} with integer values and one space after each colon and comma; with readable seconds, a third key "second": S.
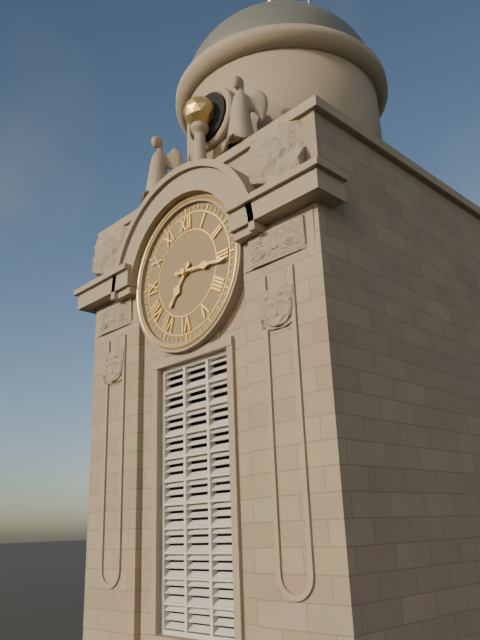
{"hour": 7, "minute": 16}
